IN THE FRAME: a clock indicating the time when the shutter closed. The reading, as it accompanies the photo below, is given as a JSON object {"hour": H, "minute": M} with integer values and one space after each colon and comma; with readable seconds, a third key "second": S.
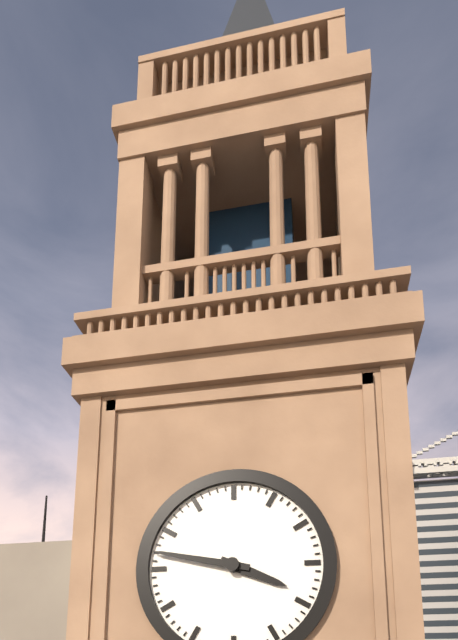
{"hour": 3, "minute": 47}
